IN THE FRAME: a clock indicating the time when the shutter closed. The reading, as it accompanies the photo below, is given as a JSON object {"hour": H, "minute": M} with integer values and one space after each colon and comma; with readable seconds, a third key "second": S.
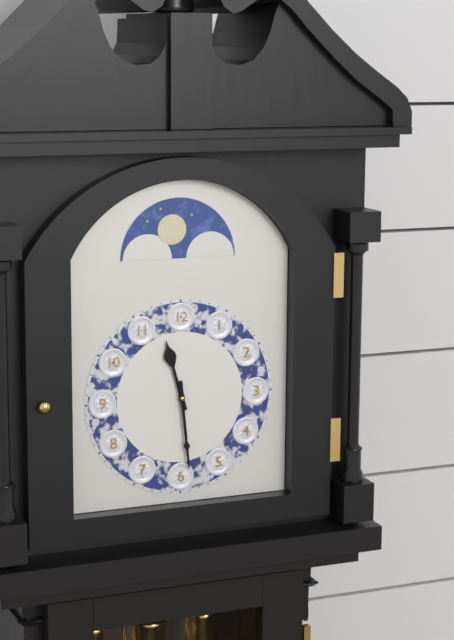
{"hour": 11, "minute": 29}
